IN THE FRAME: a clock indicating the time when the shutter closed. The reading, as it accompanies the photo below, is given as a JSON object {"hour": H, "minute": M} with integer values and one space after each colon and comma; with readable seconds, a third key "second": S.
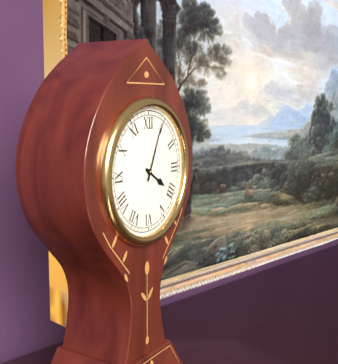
{"hour": 4, "minute": 4}
